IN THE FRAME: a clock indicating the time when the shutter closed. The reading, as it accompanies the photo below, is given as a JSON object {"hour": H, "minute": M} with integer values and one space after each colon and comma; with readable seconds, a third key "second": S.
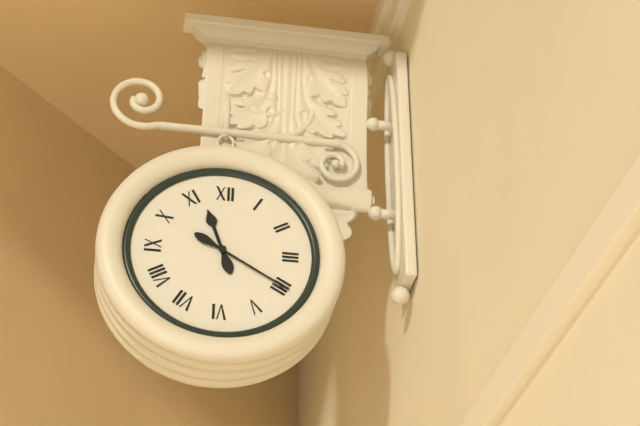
{"hour": 11, "minute": 20}
